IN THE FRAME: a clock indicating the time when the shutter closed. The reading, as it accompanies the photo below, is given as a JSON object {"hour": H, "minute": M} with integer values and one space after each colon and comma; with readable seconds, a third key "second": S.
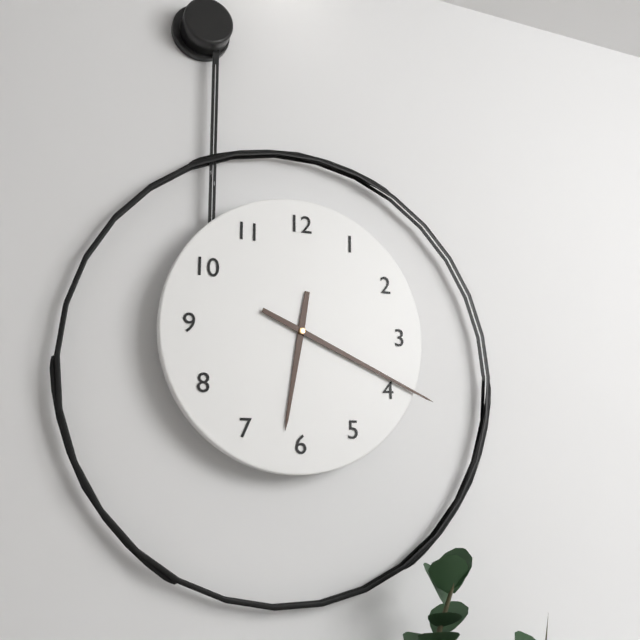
{"hour": 6, "minute": 19}
